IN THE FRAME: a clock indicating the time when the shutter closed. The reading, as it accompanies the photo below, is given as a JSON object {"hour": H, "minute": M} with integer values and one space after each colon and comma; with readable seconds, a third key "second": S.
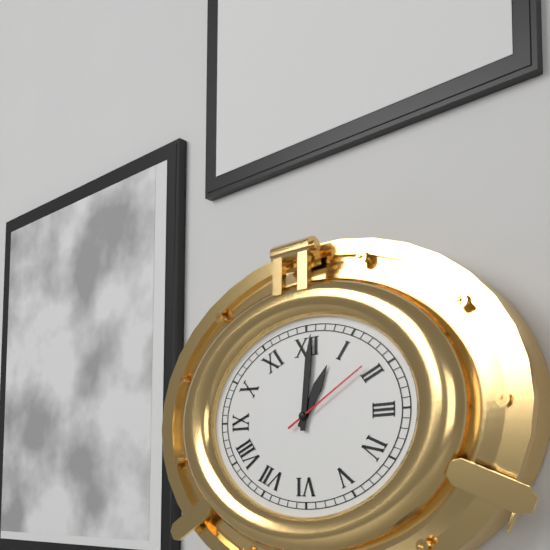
{"hour": 1, "minute": 1, "second": 10}
